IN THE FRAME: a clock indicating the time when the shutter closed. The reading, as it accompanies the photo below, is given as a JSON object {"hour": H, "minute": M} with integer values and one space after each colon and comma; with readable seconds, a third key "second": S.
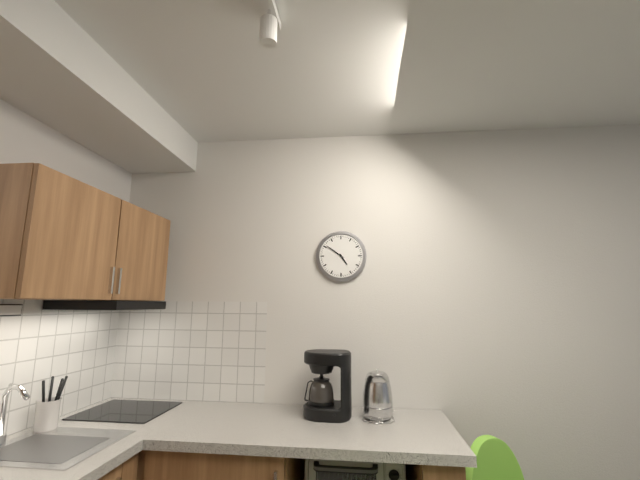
{"hour": 4, "minute": 51}
